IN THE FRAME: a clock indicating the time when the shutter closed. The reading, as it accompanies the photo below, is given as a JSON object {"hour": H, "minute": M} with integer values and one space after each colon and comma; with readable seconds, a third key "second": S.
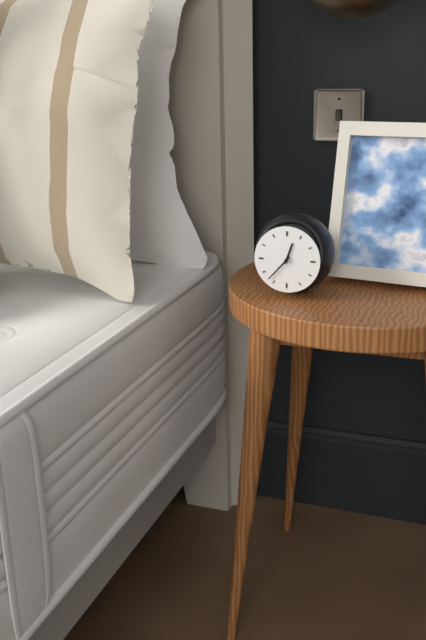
{"hour": 12, "minute": 37}
